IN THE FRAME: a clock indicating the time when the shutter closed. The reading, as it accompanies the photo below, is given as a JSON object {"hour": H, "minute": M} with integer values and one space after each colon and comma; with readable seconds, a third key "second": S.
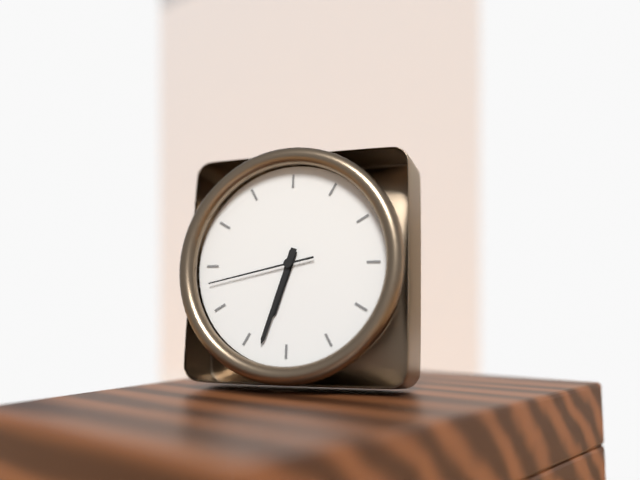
{"hour": 6, "minute": 33, "second": 43}
